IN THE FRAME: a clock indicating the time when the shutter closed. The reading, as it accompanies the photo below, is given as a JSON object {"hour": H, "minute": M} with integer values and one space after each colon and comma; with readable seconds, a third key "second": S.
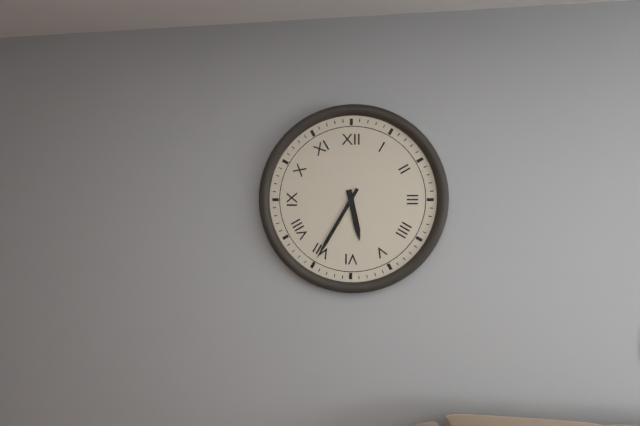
{"hour": 5, "minute": 35}
